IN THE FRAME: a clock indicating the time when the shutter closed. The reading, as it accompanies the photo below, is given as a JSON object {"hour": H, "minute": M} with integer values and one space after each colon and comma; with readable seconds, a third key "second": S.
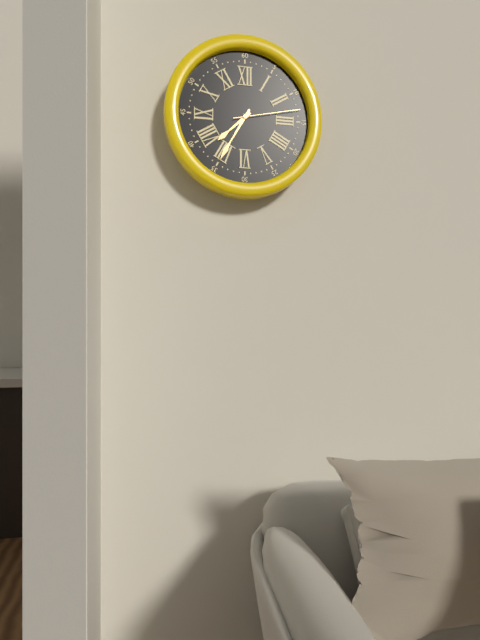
{"hour": 7, "minute": 35, "second": 13}
